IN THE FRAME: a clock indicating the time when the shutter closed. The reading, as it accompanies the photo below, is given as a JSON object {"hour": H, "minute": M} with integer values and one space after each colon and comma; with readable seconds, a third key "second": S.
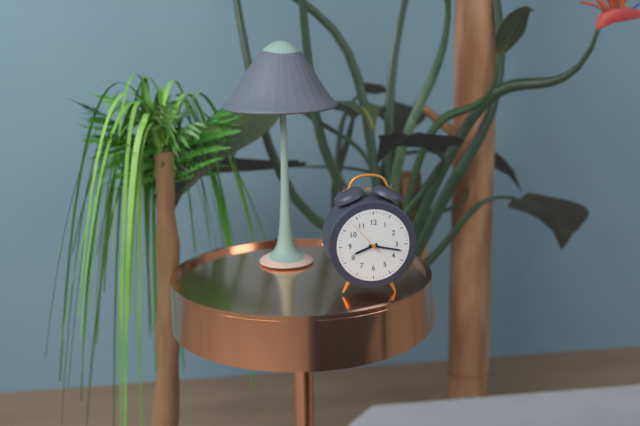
{"hour": 8, "minute": 17}
